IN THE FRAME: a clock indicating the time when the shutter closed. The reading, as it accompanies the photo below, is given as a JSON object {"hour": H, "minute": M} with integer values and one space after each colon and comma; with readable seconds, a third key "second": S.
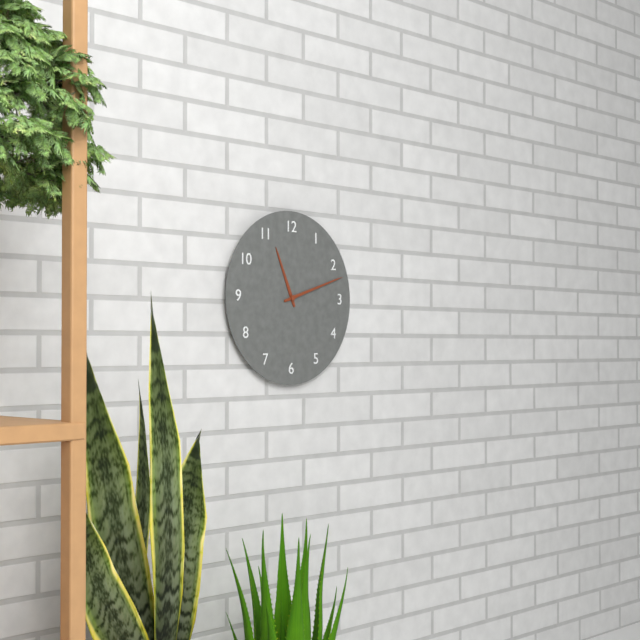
{"hour": 11, "minute": 12}
